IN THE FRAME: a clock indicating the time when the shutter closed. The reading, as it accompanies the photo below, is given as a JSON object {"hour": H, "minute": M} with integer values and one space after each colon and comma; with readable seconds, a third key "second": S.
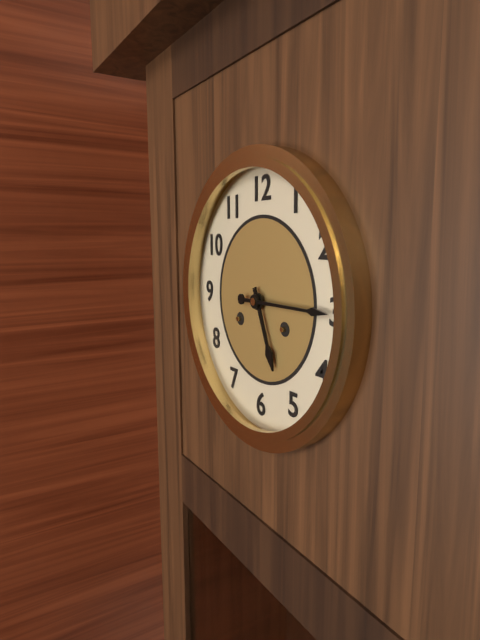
{"hour": 5, "minute": 15}
